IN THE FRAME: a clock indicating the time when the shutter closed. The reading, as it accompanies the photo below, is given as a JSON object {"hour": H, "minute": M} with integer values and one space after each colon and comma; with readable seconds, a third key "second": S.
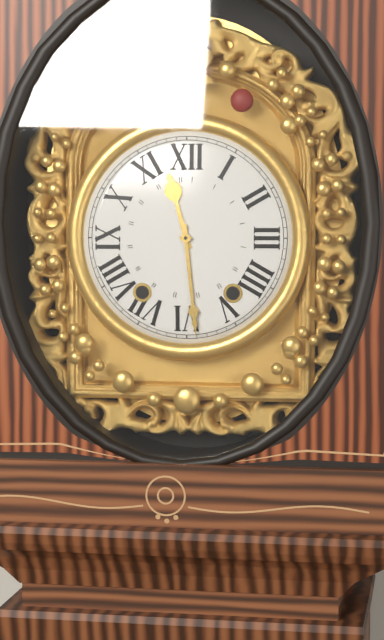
{"hour": 11, "minute": 29}
